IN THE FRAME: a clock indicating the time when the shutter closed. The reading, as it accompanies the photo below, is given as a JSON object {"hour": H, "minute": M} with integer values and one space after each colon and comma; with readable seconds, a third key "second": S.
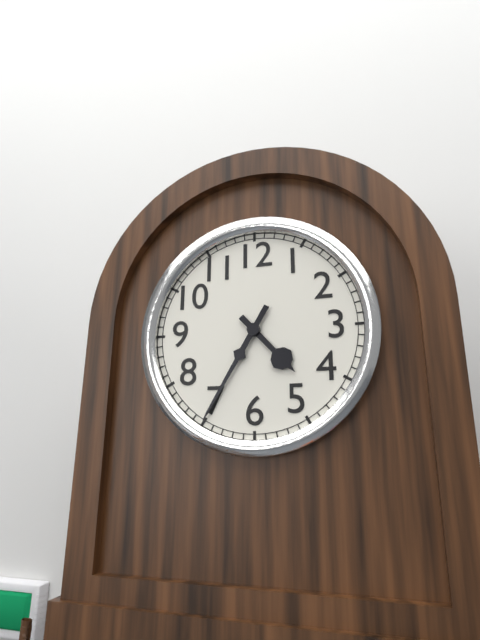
{"hour": 4, "minute": 35}
